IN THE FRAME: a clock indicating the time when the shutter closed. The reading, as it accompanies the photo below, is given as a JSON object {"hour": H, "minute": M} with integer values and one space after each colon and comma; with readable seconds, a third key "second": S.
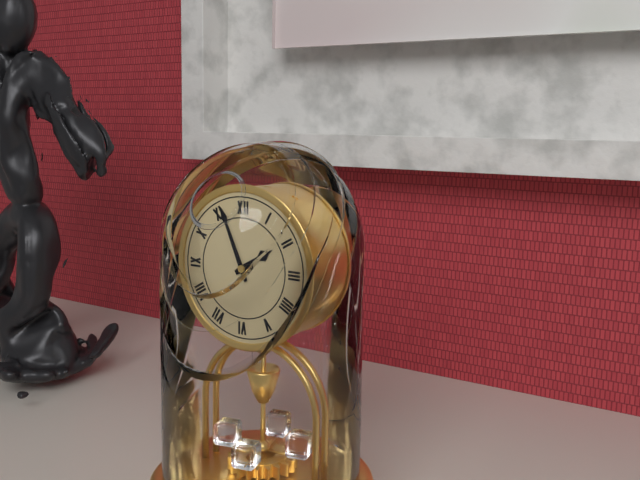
{"hour": 1, "minute": 56}
